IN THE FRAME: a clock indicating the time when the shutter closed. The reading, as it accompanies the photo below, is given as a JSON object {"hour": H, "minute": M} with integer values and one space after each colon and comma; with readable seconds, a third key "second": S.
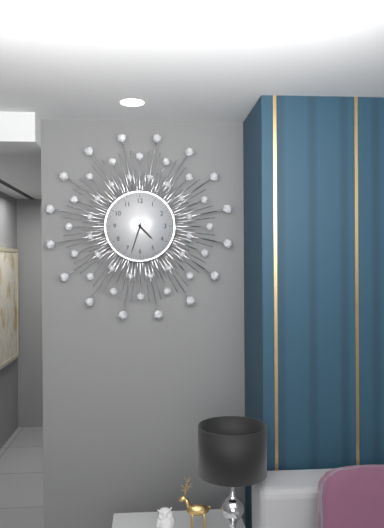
{"hour": 4, "minute": 33}
